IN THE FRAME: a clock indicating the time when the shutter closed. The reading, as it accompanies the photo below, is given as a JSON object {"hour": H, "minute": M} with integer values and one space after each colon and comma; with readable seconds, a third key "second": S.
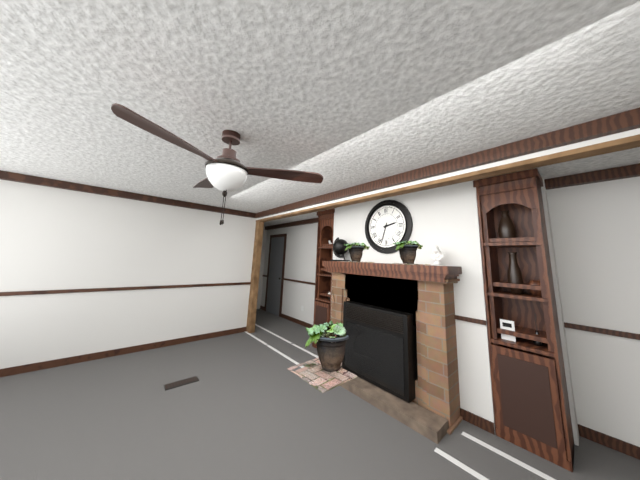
{"hour": 2, "minute": 33}
